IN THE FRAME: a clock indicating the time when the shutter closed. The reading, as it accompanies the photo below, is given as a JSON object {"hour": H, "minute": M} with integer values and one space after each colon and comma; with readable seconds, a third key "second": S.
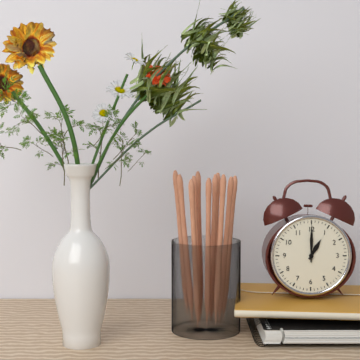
{"hour": 1, "minute": 0}
